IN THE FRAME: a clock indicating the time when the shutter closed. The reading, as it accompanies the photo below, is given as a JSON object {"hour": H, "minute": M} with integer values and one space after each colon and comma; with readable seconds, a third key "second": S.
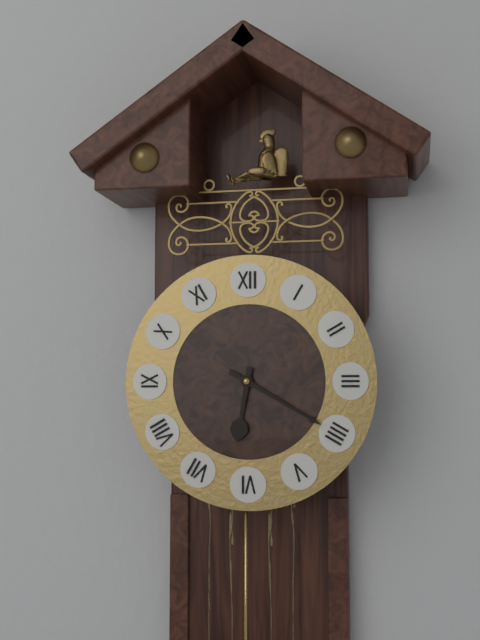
{"hour": 6, "minute": 20}
